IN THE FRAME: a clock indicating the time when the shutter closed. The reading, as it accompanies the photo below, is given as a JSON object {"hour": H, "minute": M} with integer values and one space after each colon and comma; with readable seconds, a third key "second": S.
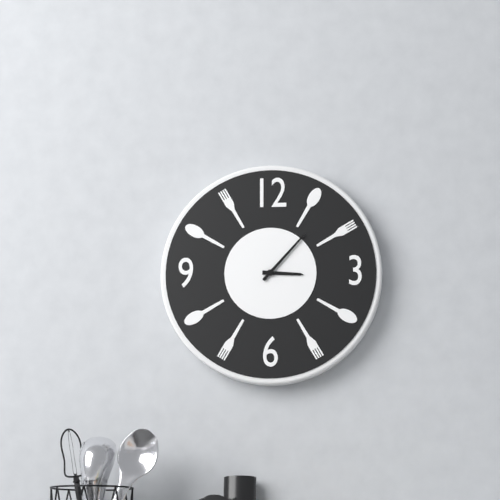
{"hour": 3, "minute": 7}
